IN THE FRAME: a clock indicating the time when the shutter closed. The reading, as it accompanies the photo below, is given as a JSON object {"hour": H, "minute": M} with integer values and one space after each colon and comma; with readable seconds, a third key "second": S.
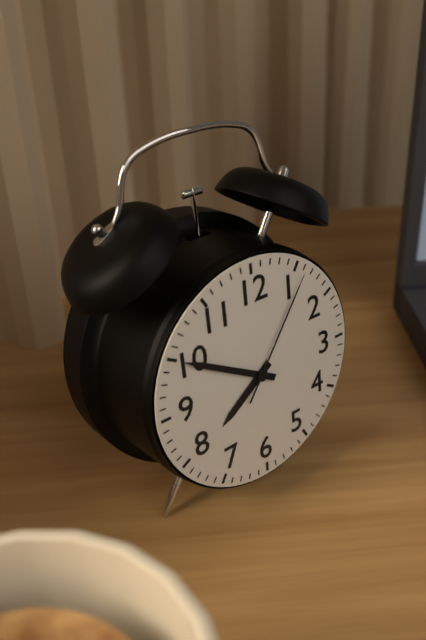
{"hour": 7, "minute": 50, "second": 6}
